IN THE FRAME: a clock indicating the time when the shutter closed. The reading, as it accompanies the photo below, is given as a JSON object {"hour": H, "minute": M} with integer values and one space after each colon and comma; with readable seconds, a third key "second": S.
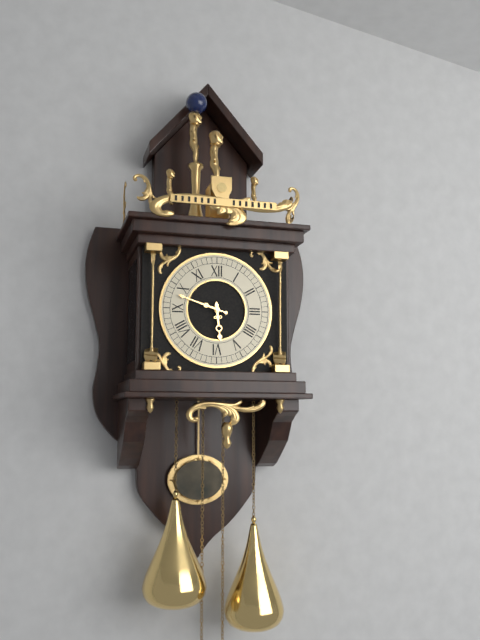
{"hour": 5, "minute": 48}
